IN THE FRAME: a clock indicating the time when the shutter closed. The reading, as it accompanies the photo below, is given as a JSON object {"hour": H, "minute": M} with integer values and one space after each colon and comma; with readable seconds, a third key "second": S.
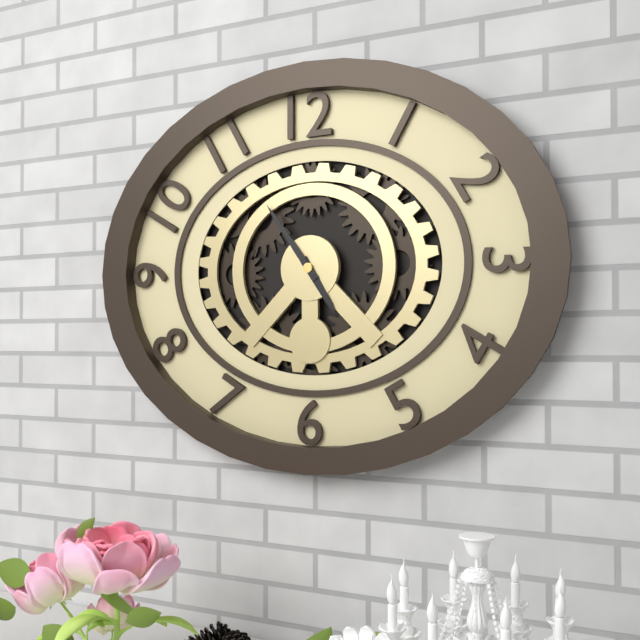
{"hour": 4, "minute": 54}
